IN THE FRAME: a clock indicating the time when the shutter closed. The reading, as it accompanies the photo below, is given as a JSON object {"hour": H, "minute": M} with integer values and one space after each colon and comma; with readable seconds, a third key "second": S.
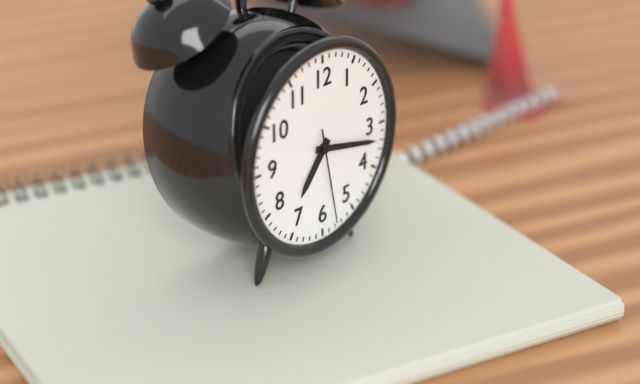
{"hour": 7, "minute": 17, "second": 28}
